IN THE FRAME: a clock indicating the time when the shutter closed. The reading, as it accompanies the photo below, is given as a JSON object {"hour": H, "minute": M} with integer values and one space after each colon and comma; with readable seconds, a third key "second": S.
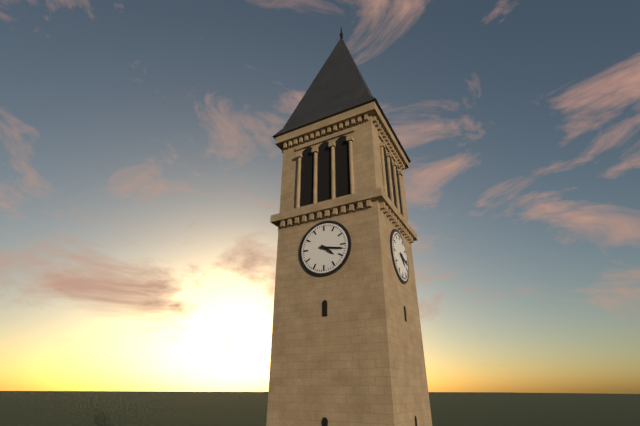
{"hour": 4, "minute": 17}
